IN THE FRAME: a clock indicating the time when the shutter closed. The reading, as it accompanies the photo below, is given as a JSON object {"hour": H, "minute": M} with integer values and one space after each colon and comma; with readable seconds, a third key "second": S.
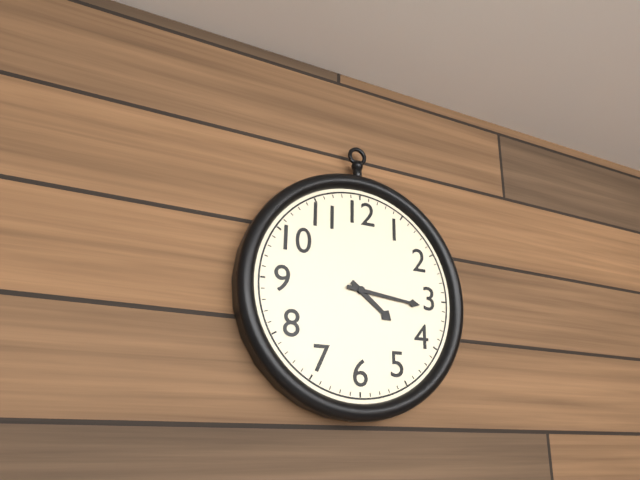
{"hour": 4, "minute": 16}
